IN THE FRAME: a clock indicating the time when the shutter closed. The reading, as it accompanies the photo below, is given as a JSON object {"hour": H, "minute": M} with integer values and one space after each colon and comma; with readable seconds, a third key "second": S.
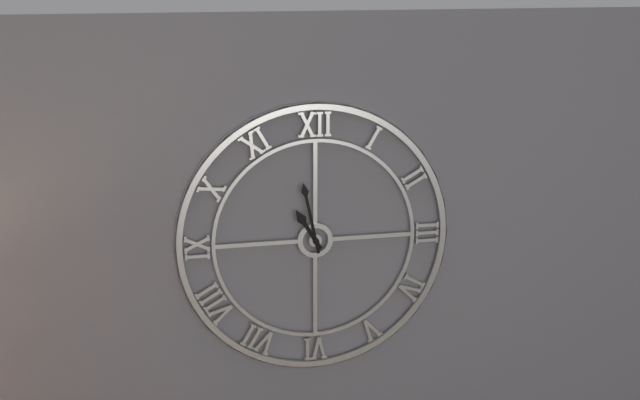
{"hour": 10, "minute": 58}
